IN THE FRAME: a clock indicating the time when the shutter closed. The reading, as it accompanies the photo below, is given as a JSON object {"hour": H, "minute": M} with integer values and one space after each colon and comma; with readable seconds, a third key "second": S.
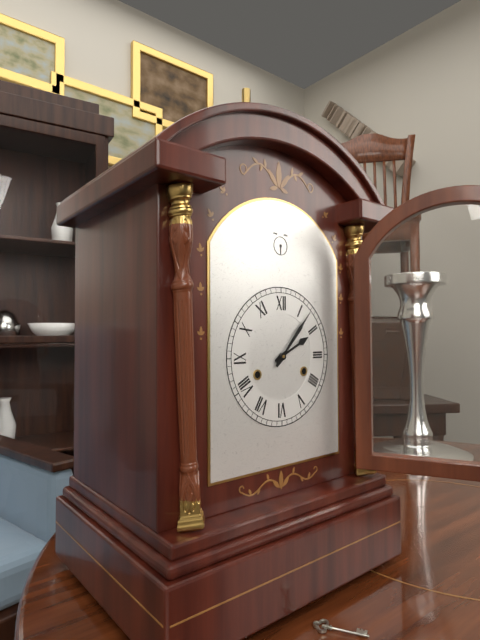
{"hour": 2, "minute": 7}
